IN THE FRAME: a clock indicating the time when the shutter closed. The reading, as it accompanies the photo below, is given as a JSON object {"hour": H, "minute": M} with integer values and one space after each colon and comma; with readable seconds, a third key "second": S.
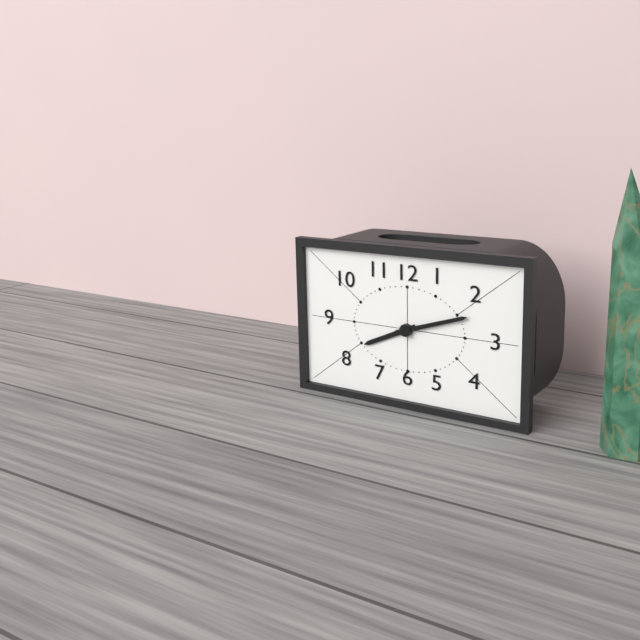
{"hour": 8, "minute": 12}
